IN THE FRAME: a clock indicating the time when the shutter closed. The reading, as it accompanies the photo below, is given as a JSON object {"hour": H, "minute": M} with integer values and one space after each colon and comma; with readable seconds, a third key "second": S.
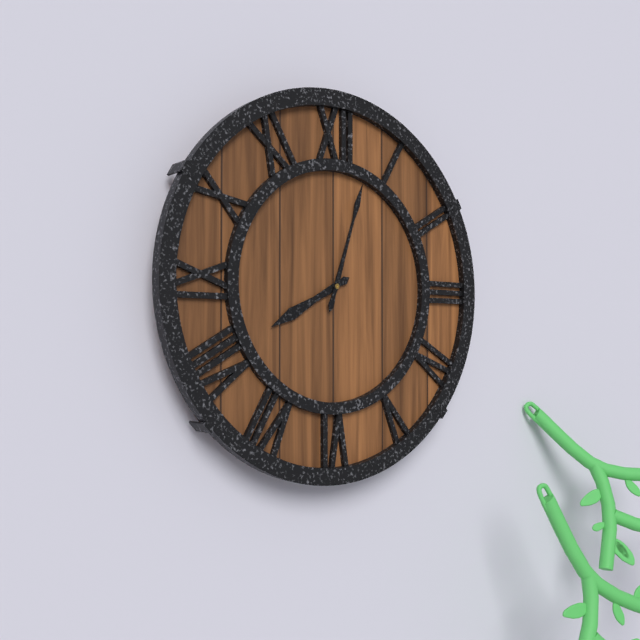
{"hour": 8, "minute": 3}
